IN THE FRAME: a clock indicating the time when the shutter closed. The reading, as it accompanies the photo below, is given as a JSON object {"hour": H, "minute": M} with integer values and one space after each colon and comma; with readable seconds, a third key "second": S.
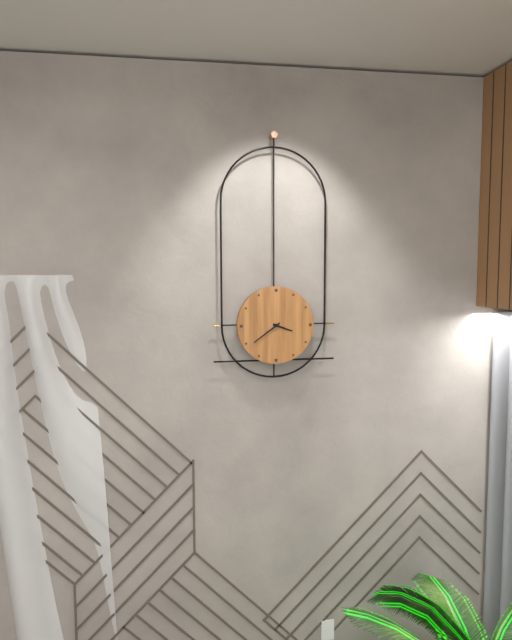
{"hour": 3, "minute": 39}
